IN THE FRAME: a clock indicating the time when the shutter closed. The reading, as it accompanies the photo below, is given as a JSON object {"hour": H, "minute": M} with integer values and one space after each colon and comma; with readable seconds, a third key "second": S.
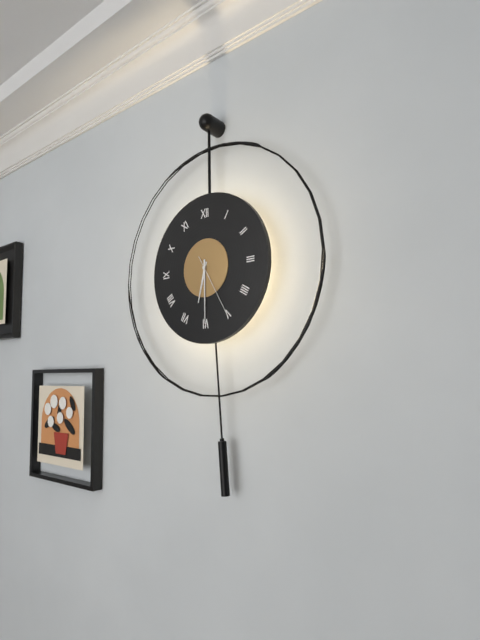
{"hour": 6, "minute": 30, "second": 25}
